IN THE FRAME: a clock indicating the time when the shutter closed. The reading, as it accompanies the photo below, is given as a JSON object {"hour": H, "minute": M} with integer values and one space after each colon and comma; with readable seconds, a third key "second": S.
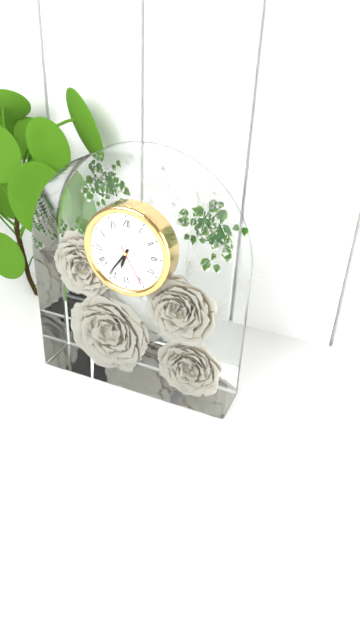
{"hour": 6, "minute": 36}
